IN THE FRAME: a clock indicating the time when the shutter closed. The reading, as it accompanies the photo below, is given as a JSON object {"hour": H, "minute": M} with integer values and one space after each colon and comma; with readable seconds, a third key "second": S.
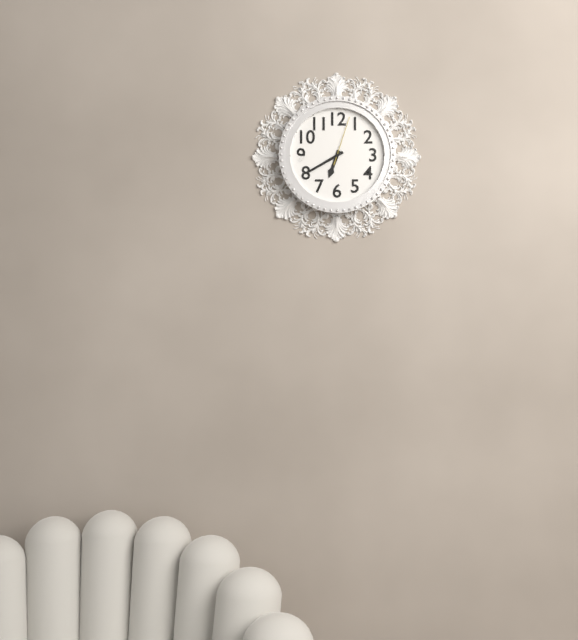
{"hour": 6, "minute": 40, "second": 3}
